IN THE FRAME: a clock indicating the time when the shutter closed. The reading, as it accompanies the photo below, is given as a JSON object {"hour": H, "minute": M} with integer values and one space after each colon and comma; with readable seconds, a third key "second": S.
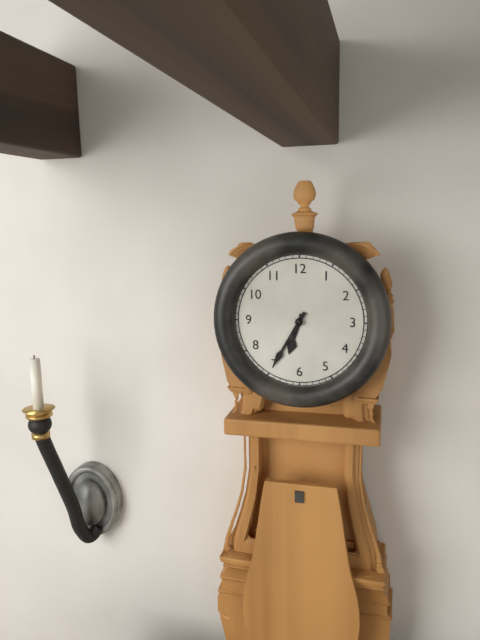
{"hour": 6, "minute": 35}
